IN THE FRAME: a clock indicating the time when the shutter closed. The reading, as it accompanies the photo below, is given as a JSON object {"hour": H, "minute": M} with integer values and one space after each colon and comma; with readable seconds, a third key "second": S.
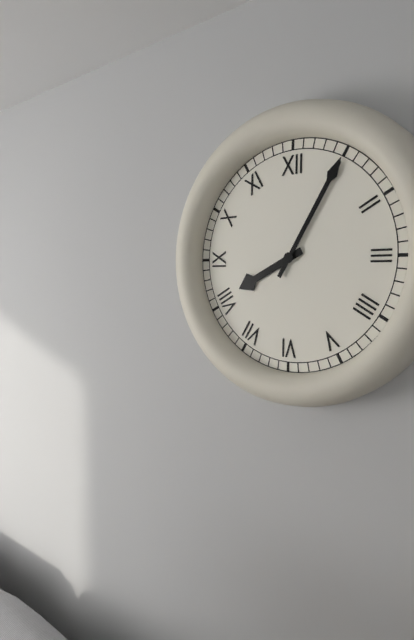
{"hour": 8, "minute": 5}
